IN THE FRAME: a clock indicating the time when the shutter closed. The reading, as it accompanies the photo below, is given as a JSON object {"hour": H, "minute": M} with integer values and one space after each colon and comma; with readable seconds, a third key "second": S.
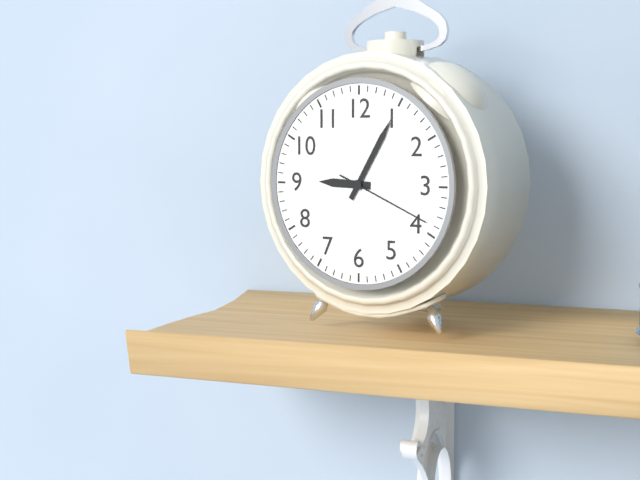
{"hour": 9, "minute": 5, "second": 19}
